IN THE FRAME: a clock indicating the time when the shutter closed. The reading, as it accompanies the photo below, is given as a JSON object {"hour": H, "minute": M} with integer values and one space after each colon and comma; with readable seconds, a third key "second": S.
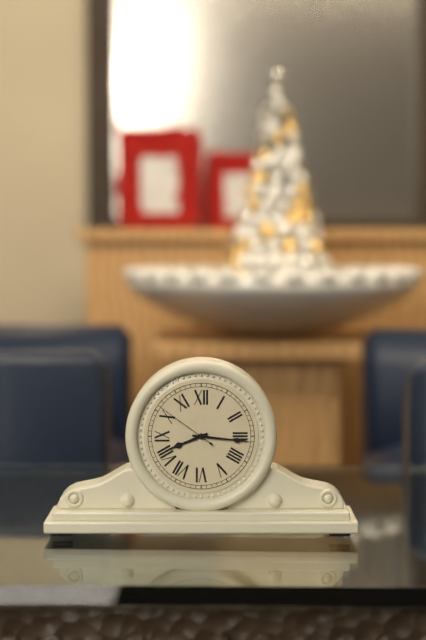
{"hour": 8, "minute": 16, "second": 51}
